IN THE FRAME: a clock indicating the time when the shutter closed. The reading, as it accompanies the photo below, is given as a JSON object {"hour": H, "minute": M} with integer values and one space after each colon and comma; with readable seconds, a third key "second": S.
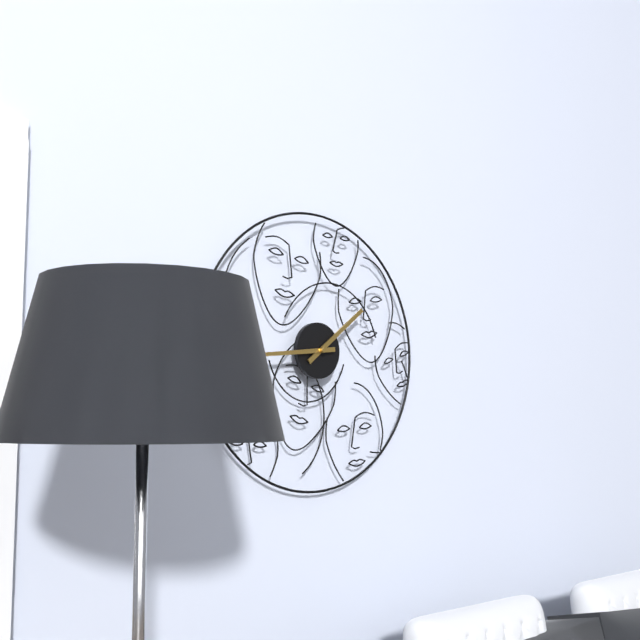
{"hour": 1, "minute": 44}
